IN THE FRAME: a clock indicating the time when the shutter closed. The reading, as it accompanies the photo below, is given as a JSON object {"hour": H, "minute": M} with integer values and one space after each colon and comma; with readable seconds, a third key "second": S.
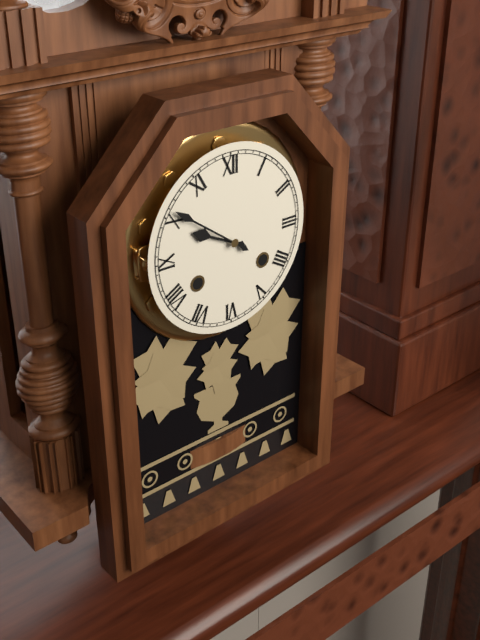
{"hour": 9, "minute": 51}
